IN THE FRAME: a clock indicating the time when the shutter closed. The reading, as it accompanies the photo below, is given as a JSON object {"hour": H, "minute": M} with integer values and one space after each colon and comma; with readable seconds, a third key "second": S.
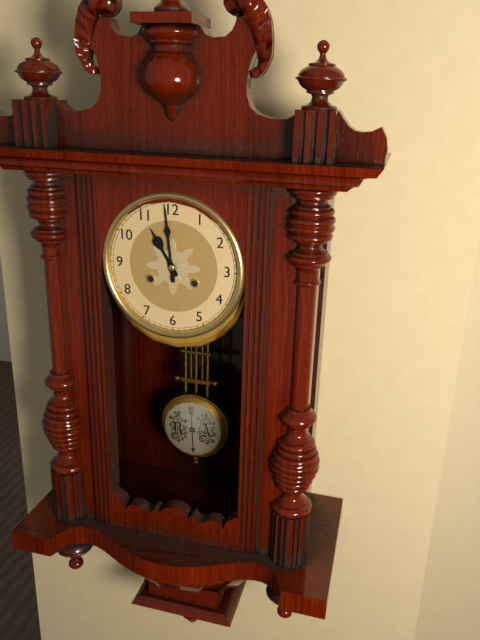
{"hour": 10, "minute": 59}
